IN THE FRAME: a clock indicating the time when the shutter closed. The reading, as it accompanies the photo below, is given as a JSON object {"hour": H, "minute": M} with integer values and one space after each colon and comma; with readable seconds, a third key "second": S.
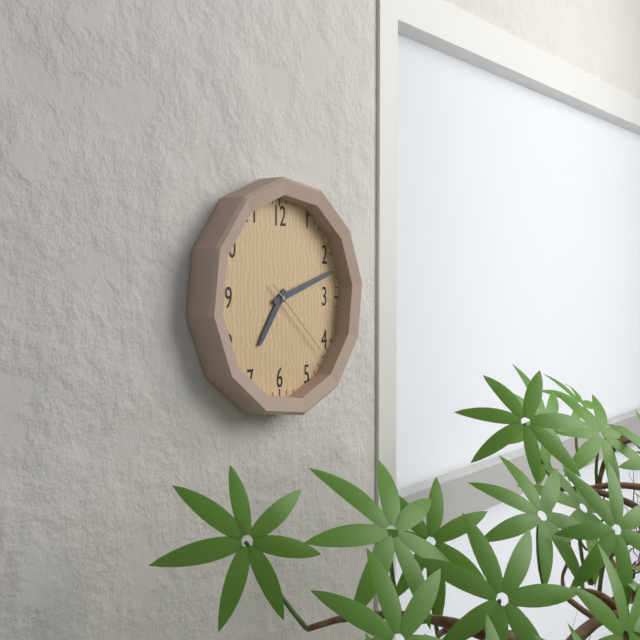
{"hour": 7, "minute": 12, "second": 22}
